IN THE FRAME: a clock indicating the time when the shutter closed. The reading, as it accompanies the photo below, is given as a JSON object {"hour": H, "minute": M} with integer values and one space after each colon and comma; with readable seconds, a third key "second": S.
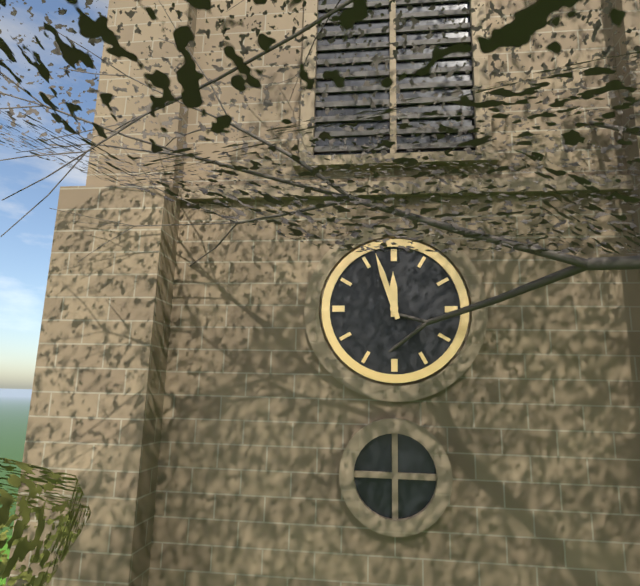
{"hour": 11, "minute": 57}
